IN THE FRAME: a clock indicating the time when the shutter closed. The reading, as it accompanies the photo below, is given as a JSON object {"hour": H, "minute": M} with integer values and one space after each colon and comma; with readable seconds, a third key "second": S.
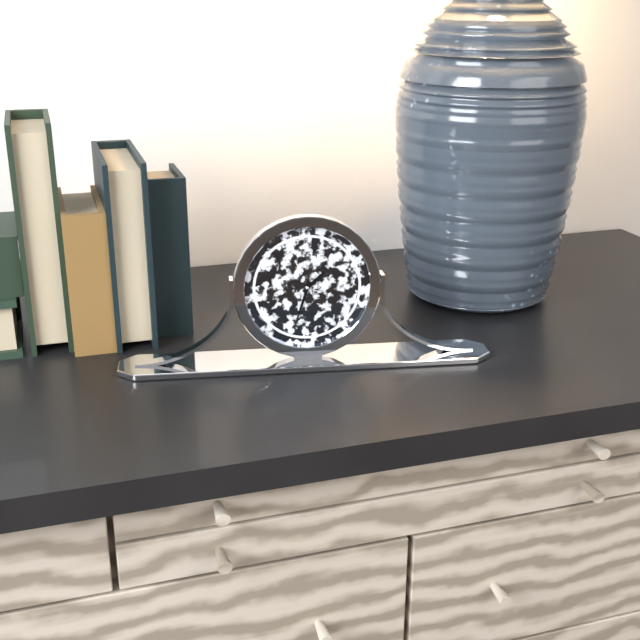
{"hour": 1, "minute": 33}
